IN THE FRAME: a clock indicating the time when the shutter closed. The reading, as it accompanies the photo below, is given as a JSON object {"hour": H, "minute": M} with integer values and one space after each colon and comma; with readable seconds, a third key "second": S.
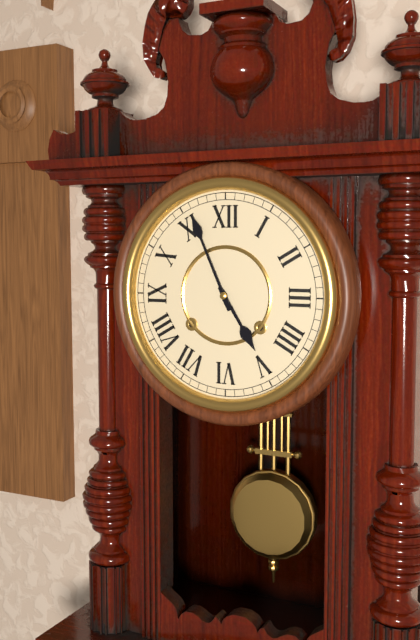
{"hour": 4, "minute": 56}
